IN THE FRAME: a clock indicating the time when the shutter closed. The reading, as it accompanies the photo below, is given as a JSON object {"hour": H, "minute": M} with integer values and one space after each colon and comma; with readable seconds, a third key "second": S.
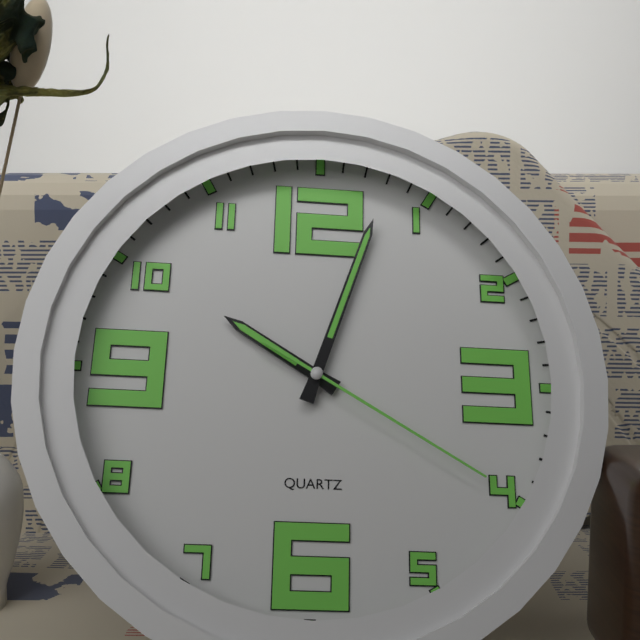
{"hour": 10, "minute": 3, "second": 20}
